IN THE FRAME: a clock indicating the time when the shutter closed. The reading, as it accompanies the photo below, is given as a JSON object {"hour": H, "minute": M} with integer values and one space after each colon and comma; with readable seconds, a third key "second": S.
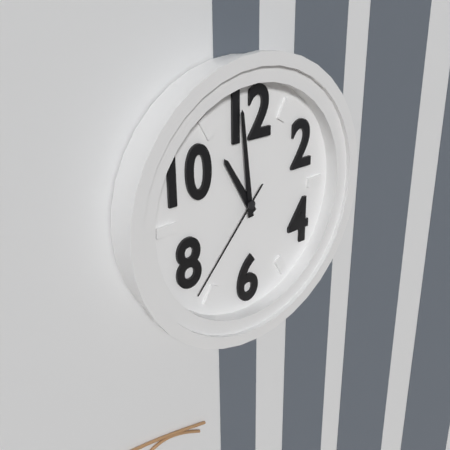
{"hour": 10, "minute": 59, "second": 37}
